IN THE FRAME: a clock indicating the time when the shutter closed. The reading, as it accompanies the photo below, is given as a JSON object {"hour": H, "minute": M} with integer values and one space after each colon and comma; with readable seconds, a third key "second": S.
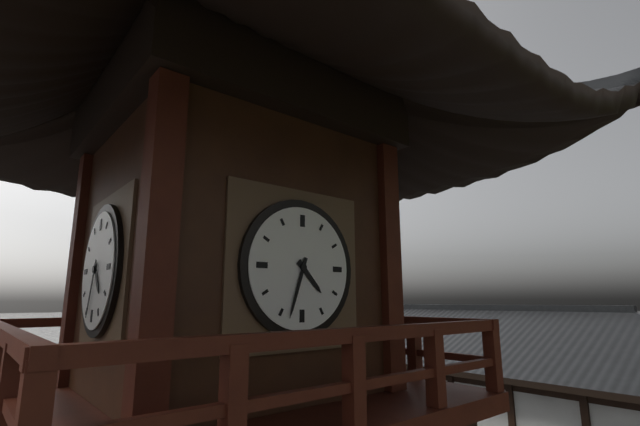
{"hour": 4, "minute": 33}
